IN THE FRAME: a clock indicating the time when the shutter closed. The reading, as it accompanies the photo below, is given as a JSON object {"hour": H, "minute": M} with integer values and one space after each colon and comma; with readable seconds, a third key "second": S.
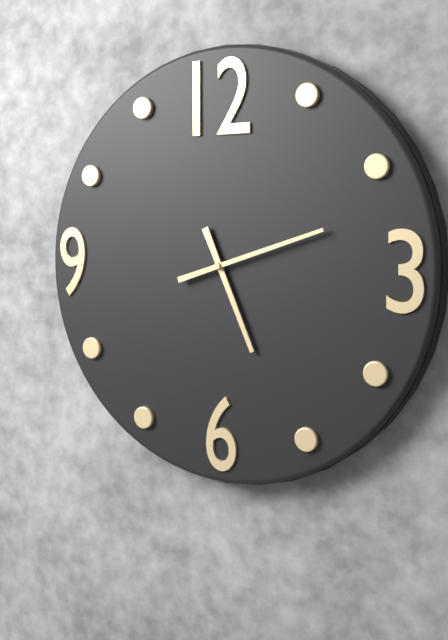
{"hour": 5, "minute": 12}
